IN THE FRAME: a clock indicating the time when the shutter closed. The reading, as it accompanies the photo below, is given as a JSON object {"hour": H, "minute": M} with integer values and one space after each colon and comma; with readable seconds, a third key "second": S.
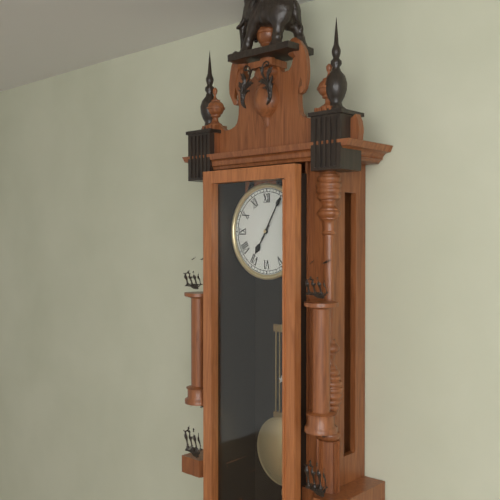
{"hour": 7, "minute": 5}
